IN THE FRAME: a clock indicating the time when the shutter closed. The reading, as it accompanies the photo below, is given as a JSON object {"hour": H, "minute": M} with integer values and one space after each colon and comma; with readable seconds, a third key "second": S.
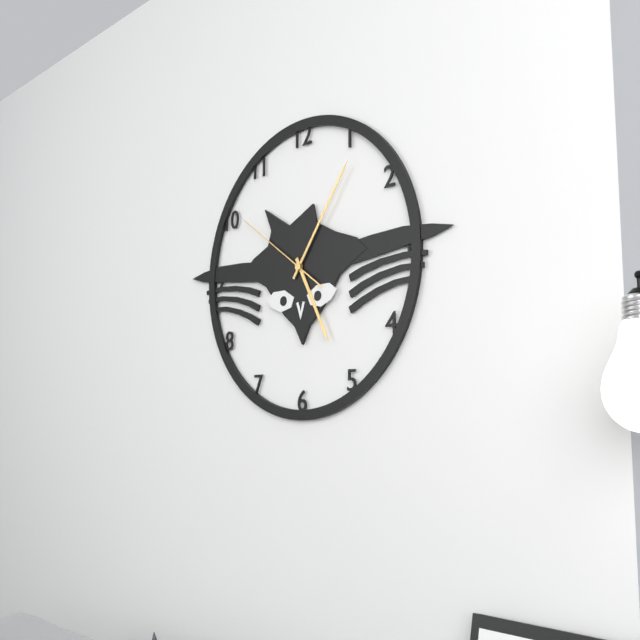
{"hour": 5, "minute": 6, "second": 51}
